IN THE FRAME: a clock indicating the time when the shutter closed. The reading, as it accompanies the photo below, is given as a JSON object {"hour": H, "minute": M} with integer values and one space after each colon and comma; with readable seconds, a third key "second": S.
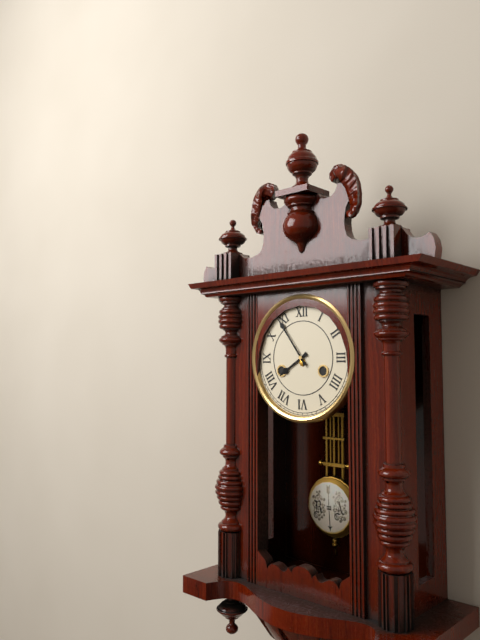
{"hour": 7, "minute": 54}
